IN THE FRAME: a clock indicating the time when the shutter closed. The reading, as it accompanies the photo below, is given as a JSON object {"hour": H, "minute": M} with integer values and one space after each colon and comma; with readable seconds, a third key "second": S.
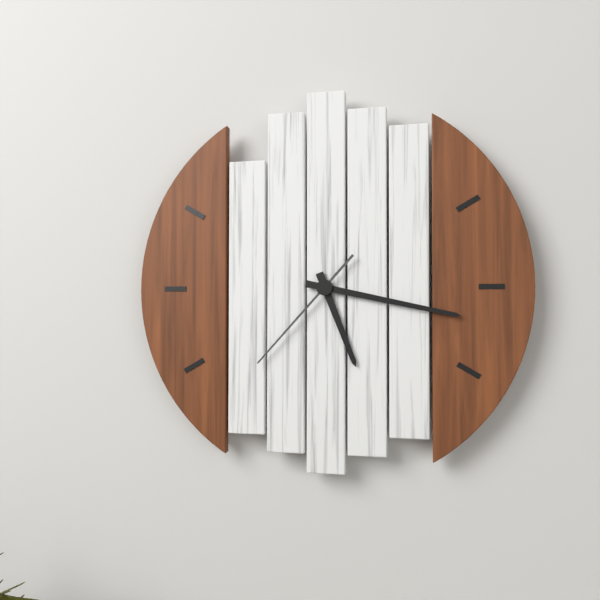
{"hour": 5, "minute": 17, "second": 37}
